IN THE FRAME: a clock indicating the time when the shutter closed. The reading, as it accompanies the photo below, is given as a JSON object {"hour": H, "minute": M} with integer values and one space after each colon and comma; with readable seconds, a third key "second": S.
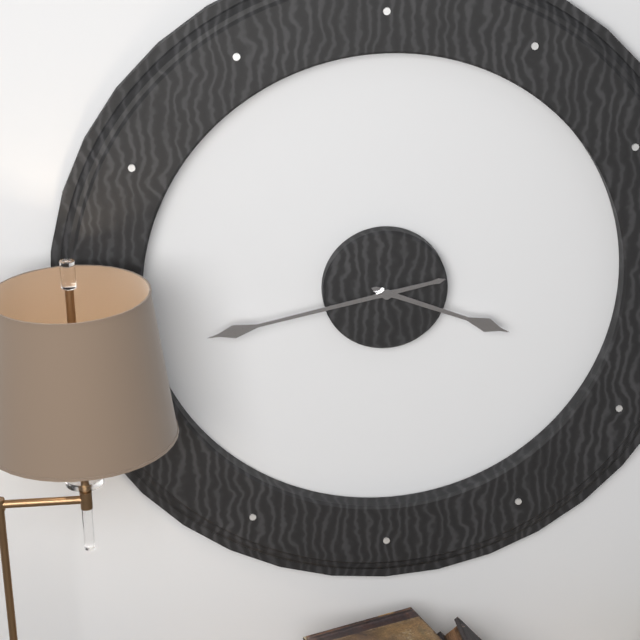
{"hour": 3, "minute": 43}
